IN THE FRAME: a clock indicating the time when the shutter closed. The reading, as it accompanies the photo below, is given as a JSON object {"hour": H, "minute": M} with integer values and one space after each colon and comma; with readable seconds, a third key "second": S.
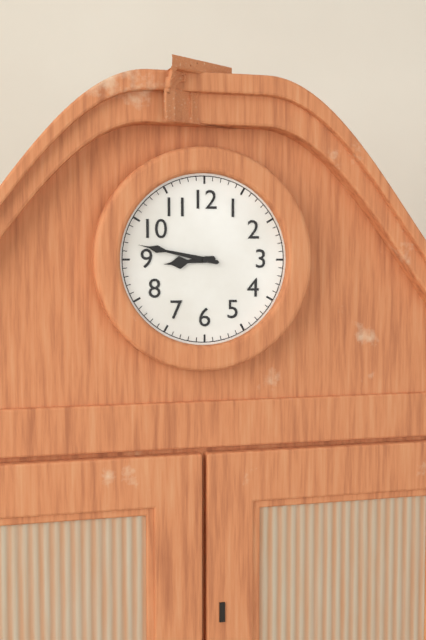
{"hour": 8, "minute": 47}
